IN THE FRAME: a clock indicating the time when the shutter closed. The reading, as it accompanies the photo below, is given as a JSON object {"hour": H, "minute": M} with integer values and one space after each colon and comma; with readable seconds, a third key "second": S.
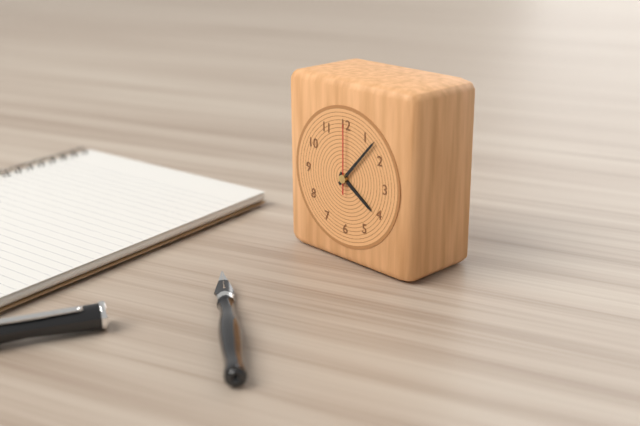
{"hour": 4, "minute": 7, "second": 0}
